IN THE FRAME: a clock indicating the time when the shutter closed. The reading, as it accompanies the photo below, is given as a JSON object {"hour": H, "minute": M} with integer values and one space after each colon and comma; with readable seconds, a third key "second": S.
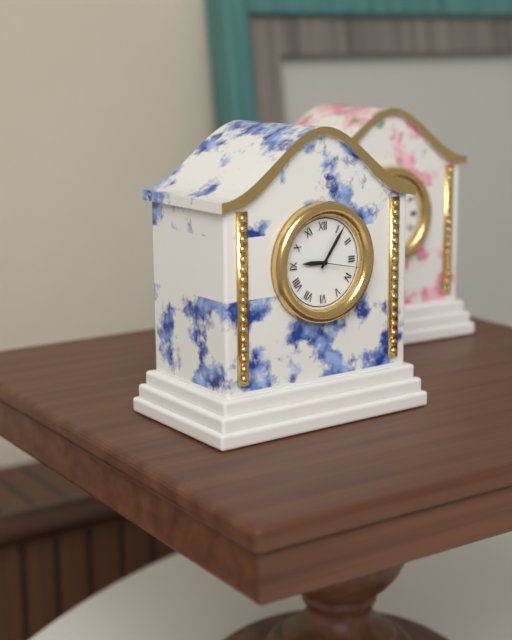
{"hour": 9, "minute": 6}
